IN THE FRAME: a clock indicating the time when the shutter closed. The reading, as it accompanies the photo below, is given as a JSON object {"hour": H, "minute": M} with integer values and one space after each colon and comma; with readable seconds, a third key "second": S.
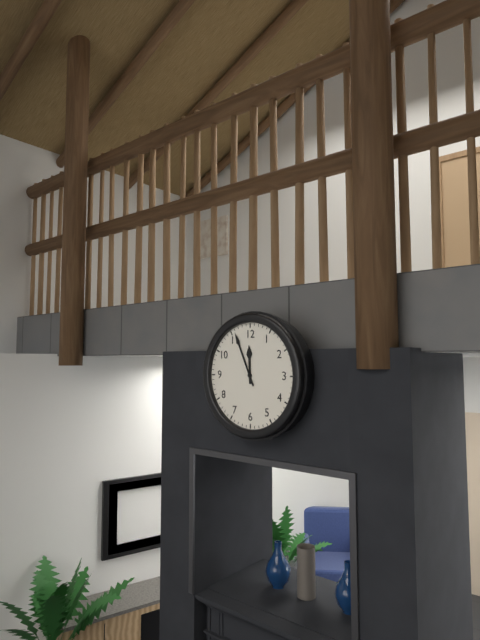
{"hour": 11, "minute": 56}
